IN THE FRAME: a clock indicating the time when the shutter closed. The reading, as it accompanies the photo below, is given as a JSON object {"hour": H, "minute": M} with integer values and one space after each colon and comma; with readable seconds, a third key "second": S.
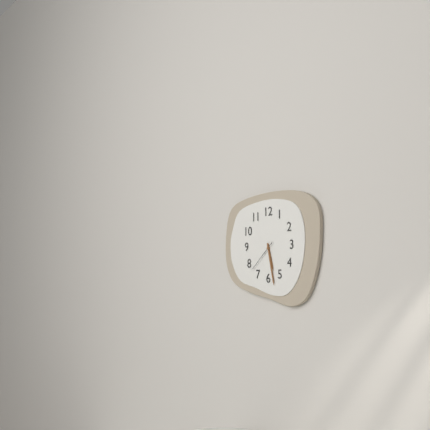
{"hour": 5, "minute": 28}
